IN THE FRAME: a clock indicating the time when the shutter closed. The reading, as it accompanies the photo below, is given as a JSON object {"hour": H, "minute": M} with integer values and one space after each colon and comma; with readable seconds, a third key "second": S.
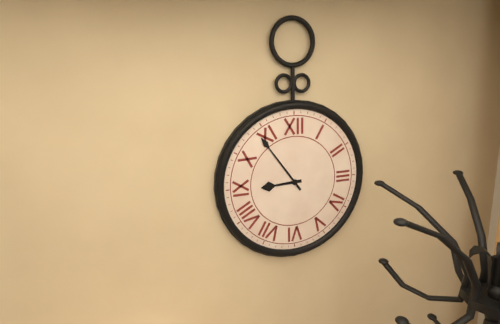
{"hour": 8, "minute": 54}
